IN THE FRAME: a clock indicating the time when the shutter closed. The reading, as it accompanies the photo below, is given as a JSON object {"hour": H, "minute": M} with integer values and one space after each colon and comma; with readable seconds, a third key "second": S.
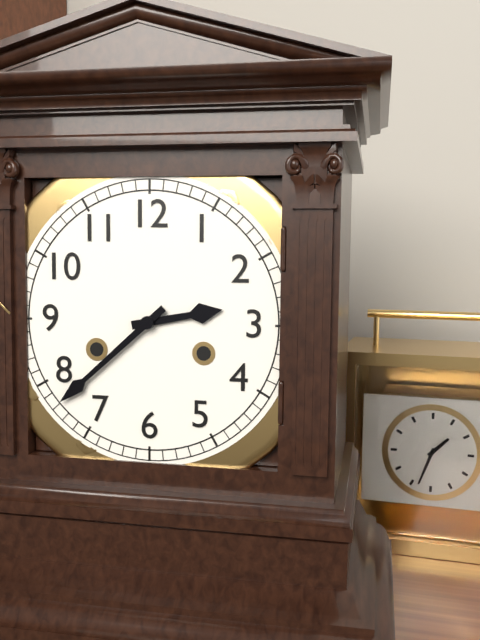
{"hour": 2, "minute": 38}
